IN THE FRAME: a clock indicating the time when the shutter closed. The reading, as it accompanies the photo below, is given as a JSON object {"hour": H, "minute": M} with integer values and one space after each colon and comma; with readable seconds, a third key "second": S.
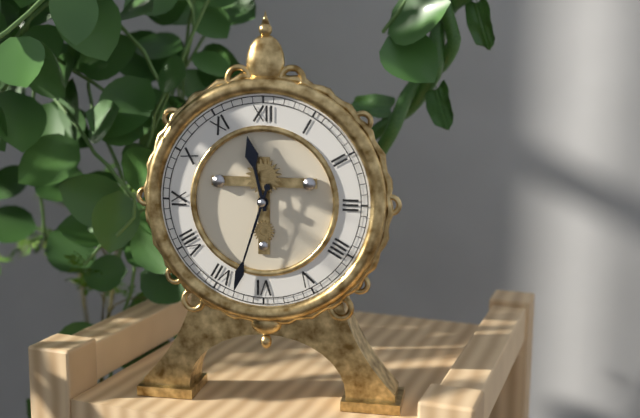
{"hour": 11, "minute": 33}
